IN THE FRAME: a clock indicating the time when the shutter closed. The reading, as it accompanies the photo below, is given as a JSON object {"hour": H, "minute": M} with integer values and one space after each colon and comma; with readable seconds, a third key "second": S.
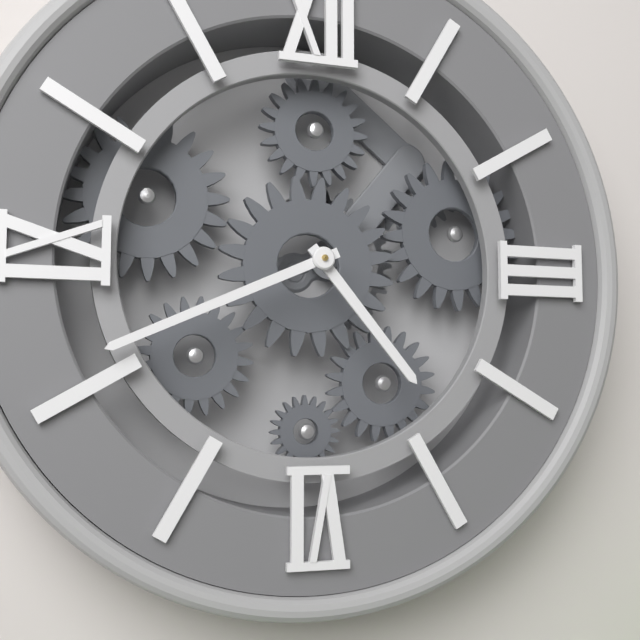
{"hour": 4, "minute": 41}
